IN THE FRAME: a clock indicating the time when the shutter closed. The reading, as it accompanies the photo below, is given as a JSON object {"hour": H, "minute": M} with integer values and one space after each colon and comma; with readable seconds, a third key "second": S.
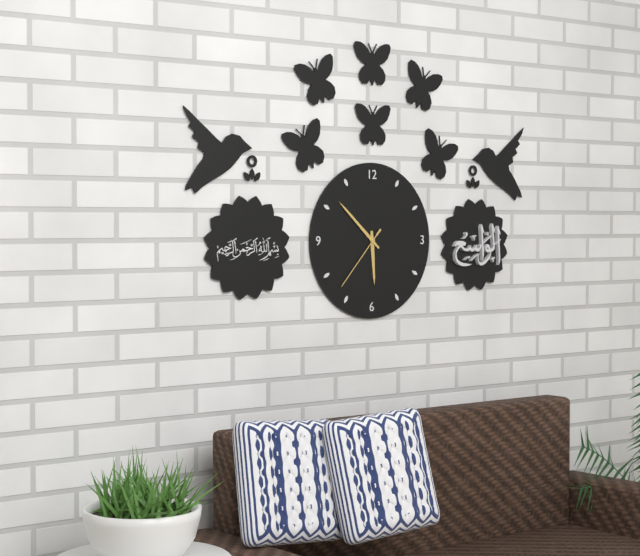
{"hour": 5, "minute": 52, "second": 37}
